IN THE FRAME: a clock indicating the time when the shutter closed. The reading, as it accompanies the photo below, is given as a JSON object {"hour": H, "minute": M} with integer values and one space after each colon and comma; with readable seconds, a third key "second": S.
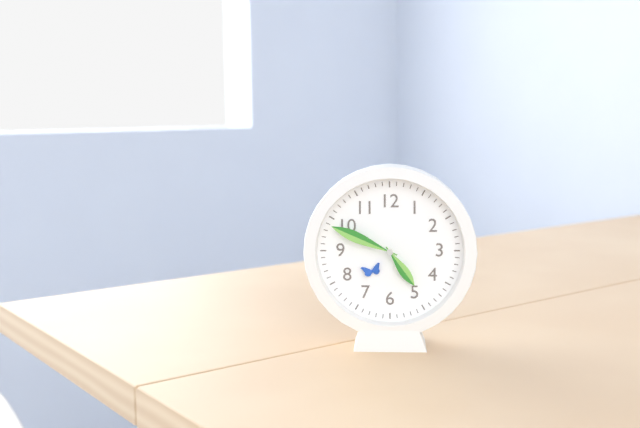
{"hour": 4, "minute": 49}
